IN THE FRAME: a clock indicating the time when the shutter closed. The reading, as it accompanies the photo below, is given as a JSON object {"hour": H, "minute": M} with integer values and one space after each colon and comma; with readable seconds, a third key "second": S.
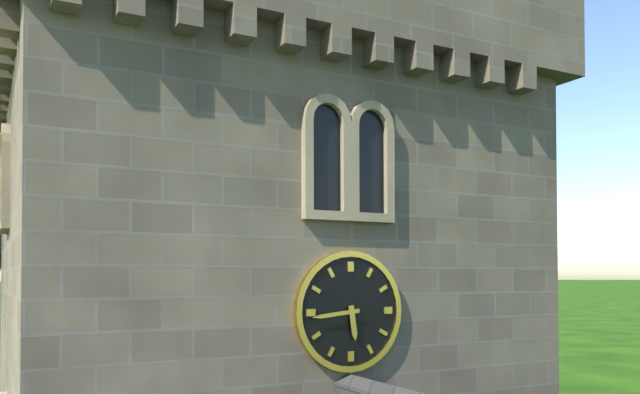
{"hour": 5, "minute": 44}
